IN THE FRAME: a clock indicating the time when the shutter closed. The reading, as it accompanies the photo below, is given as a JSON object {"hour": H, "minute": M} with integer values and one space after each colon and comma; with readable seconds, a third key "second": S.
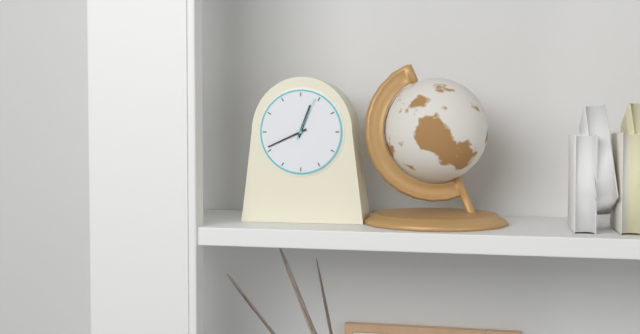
{"hour": 12, "minute": 41}
